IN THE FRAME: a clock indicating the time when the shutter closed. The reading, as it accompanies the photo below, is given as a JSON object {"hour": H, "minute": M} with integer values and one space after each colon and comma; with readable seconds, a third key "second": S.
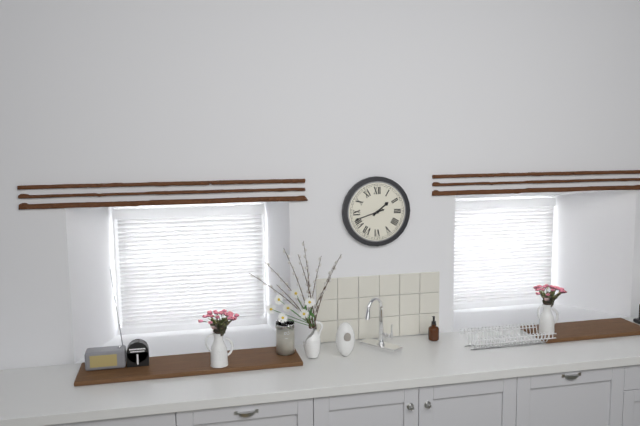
{"hour": 1, "minute": 42}
